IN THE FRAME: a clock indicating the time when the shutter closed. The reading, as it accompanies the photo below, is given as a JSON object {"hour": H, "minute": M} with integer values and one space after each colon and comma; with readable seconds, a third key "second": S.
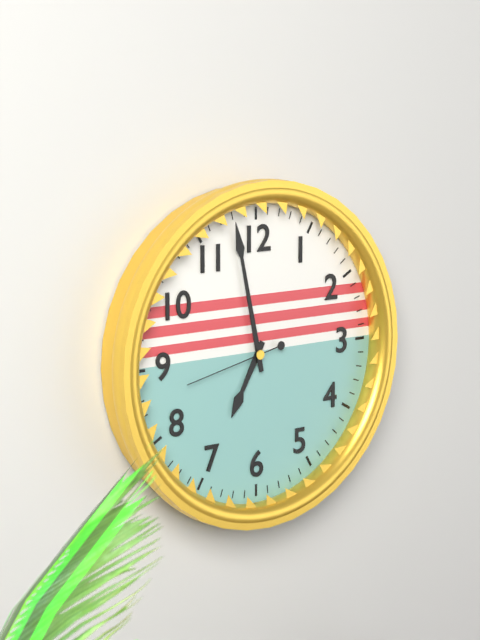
{"hour": 6, "minute": 58, "second": 43}
